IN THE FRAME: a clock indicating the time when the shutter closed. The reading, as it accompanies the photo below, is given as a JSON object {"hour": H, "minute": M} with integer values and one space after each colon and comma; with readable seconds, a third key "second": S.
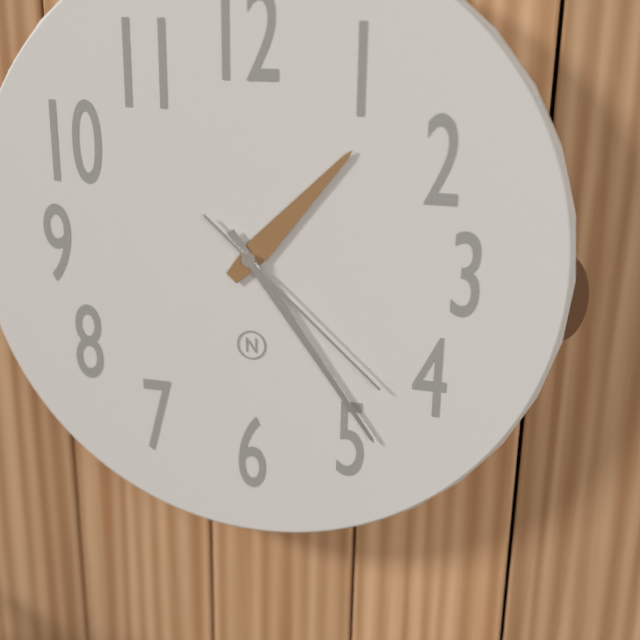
{"hour": 1, "minute": 24, "second": 22}
